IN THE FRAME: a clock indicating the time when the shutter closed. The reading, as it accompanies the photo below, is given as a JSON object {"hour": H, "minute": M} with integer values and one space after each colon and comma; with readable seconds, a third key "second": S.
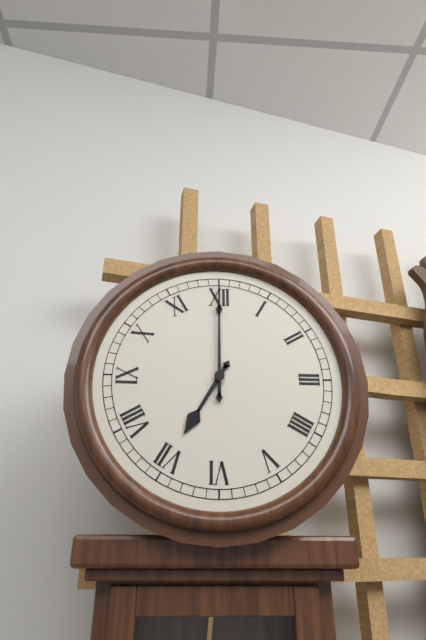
{"hour": 7, "minute": 0}
